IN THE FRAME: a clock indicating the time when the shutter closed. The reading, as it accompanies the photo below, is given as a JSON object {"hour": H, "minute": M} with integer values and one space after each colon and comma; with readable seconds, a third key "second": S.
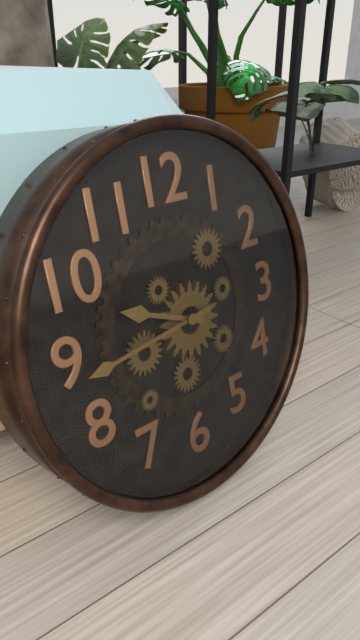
{"hour": 9, "minute": 44}
